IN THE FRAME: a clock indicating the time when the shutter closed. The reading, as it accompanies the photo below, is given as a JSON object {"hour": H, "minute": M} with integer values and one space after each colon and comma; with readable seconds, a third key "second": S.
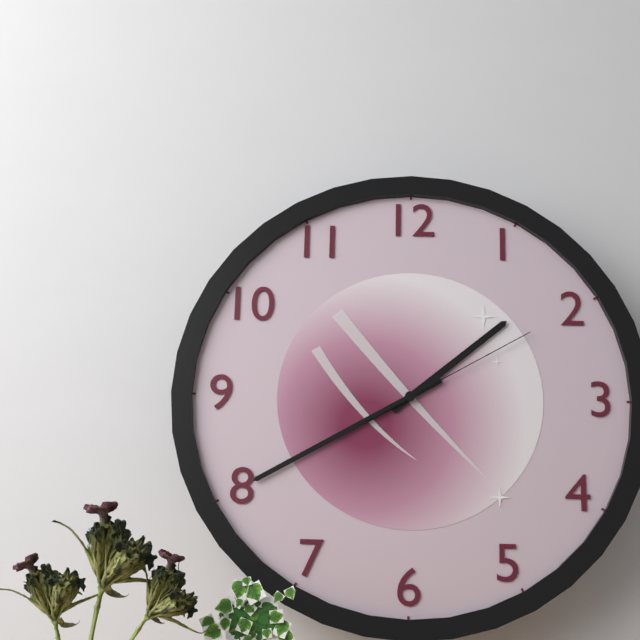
{"hour": 1, "minute": 40, "second": 10}
